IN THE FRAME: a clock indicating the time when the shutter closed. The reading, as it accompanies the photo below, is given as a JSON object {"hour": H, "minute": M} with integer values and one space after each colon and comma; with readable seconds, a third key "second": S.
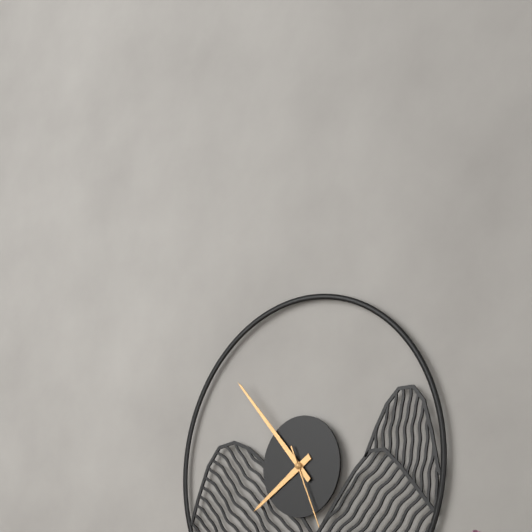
{"hour": 7, "minute": 53, "second": 26}
